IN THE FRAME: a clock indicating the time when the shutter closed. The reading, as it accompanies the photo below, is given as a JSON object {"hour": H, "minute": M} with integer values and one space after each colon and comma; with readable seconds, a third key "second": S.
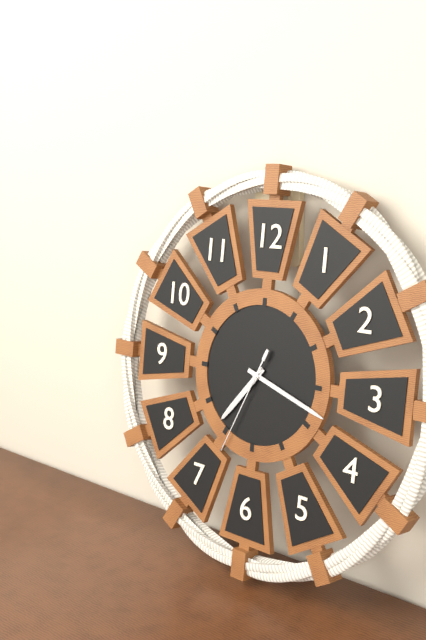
{"hour": 7, "minute": 18, "second": 34}
